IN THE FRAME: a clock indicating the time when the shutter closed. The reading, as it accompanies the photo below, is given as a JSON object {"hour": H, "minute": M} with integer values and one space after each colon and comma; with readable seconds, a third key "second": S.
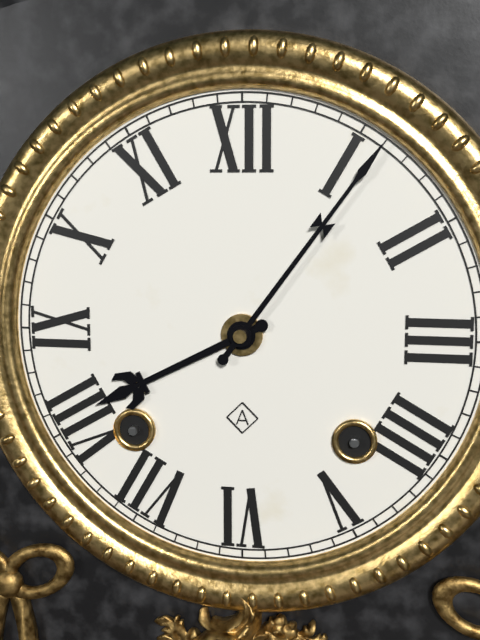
{"hour": 8, "minute": 6}
